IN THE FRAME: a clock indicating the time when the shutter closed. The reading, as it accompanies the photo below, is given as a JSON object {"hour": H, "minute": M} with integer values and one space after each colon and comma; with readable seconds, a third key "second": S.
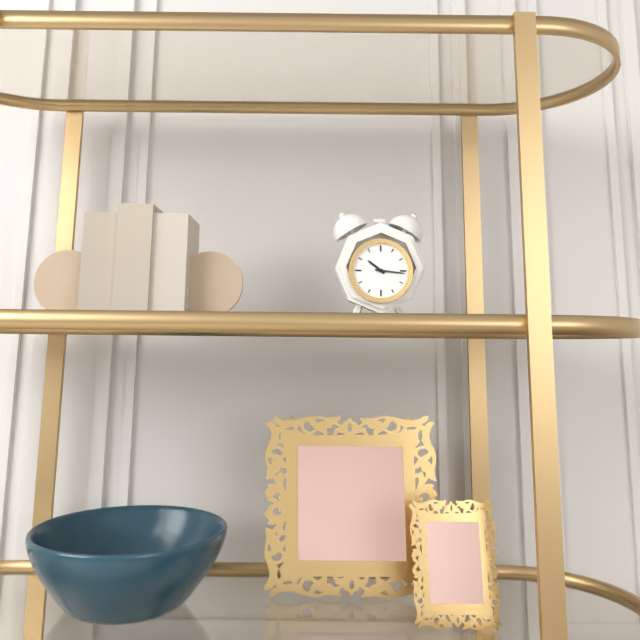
{"hour": 10, "minute": 16}
